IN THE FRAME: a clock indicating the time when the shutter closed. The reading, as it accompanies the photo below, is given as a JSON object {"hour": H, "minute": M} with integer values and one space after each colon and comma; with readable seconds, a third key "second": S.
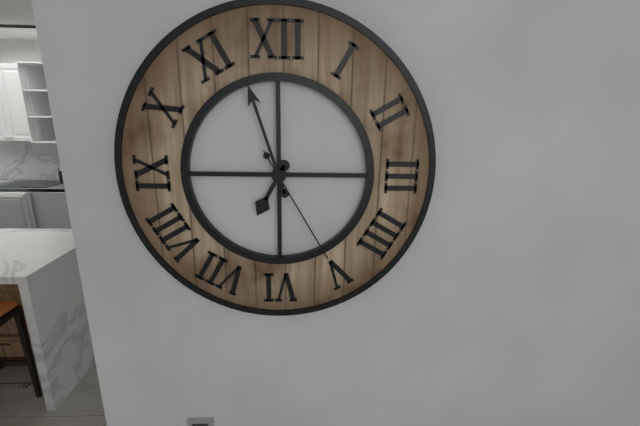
{"hour": 6, "minute": 57, "second": 25}
